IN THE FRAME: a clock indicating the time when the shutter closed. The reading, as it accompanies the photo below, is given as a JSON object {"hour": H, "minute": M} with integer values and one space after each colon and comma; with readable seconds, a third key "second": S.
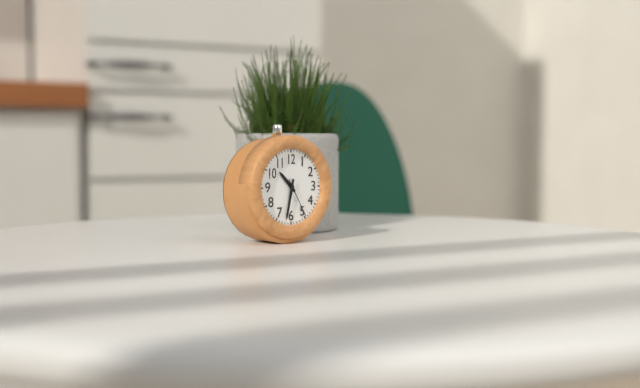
{"hour": 10, "minute": 32}
